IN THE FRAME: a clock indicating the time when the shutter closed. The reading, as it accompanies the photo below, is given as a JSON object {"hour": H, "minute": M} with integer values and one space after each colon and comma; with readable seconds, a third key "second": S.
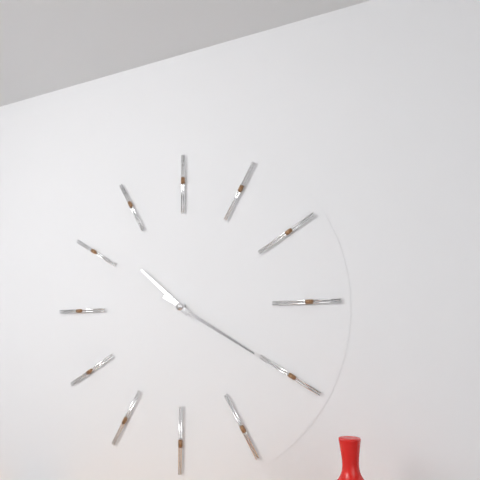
{"hour": 10, "minute": 20}
